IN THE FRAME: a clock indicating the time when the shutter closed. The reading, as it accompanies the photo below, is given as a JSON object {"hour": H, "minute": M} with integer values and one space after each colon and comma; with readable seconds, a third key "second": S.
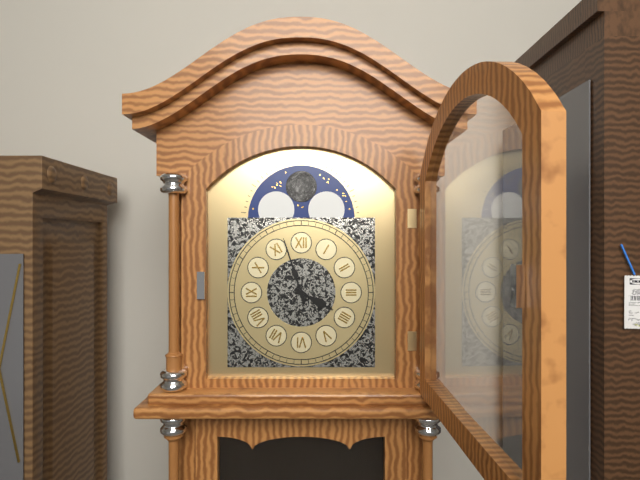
{"hour": 3, "minute": 57}
